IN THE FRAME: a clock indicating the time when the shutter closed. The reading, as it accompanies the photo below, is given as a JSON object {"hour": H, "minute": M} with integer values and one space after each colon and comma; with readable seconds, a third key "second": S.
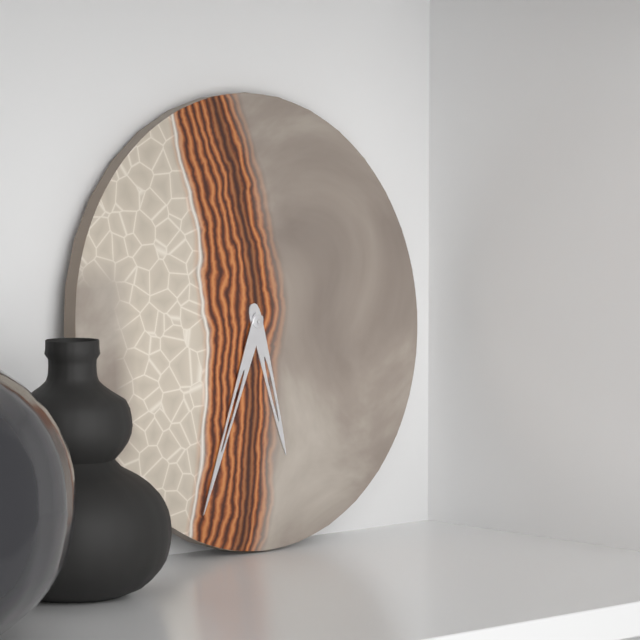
{"hour": 5, "minute": 34}
